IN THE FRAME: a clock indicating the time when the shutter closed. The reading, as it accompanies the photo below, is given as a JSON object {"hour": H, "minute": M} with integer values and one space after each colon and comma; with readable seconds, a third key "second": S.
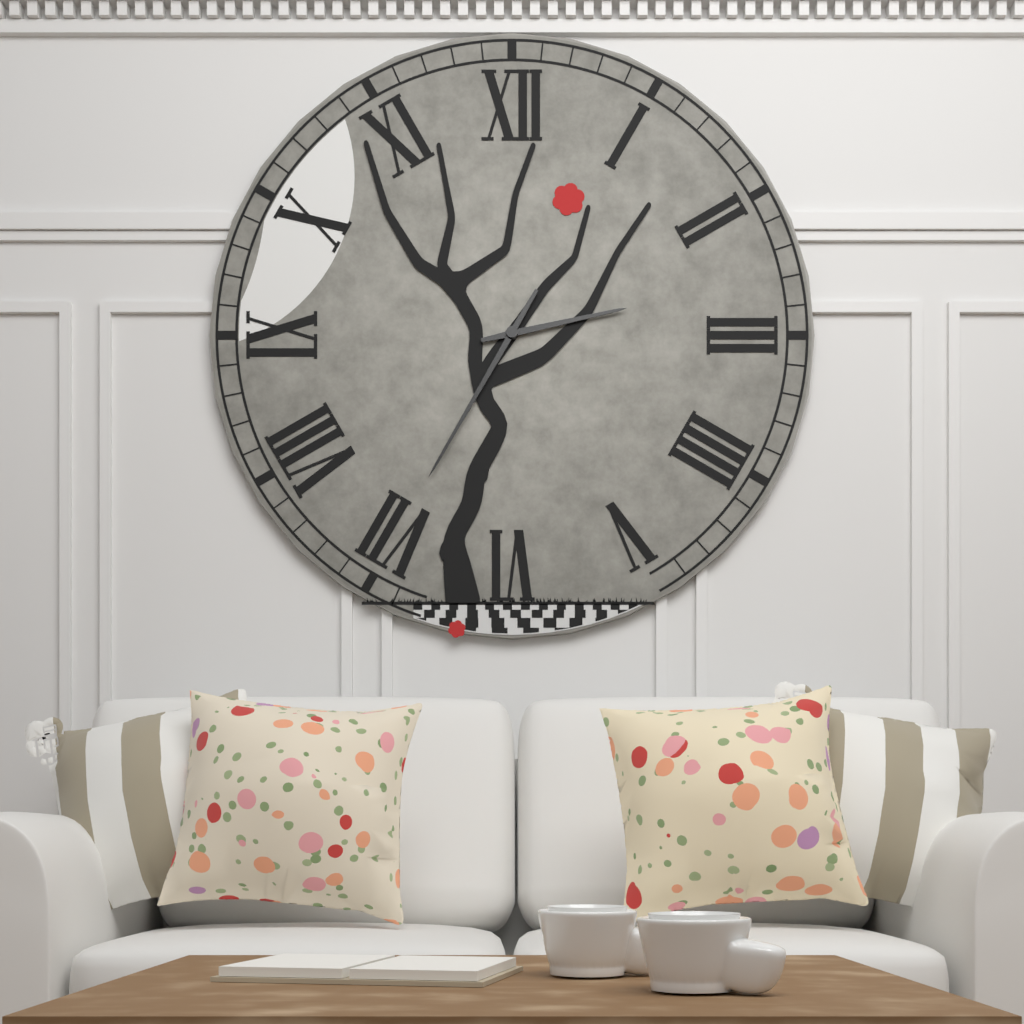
{"hour": 2, "minute": 35}
